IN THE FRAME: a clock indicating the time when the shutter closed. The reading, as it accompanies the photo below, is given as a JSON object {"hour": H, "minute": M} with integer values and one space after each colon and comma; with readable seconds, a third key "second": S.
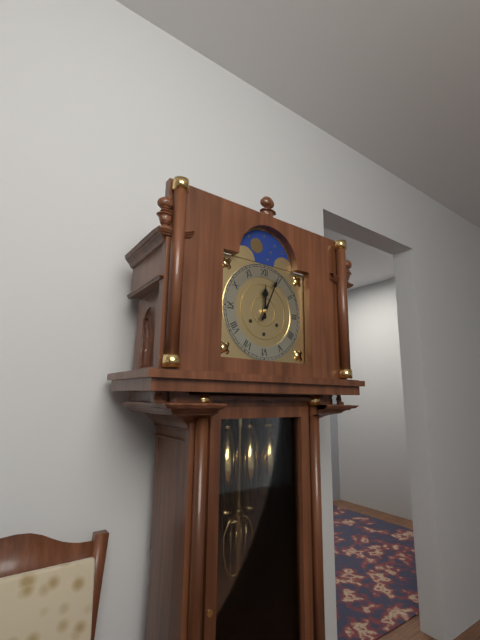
{"hour": 12, "minute": 4}
